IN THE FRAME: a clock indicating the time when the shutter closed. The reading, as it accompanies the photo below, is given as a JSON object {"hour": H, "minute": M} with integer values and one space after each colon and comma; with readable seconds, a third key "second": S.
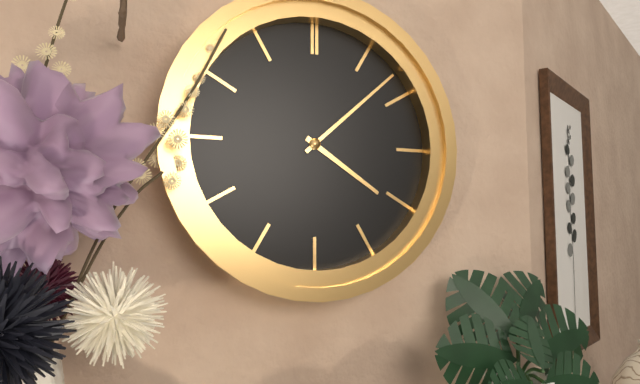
{"hour": 4, "minute": 8}
